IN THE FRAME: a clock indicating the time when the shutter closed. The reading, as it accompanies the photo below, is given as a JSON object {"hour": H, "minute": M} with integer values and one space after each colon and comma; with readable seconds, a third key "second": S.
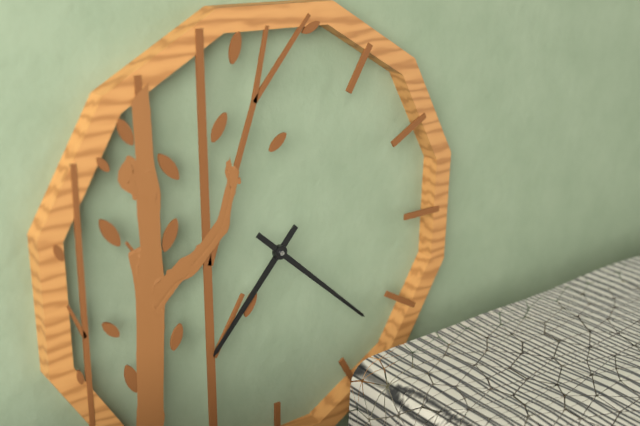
{"hour": 7, "minute": 22}
